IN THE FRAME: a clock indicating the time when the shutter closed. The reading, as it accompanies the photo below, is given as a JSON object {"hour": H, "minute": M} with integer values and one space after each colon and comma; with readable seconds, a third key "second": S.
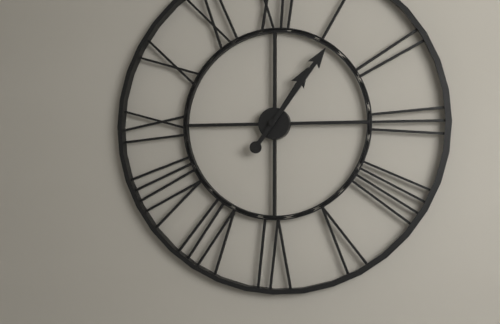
{"hour": 1, "minute": 6}
